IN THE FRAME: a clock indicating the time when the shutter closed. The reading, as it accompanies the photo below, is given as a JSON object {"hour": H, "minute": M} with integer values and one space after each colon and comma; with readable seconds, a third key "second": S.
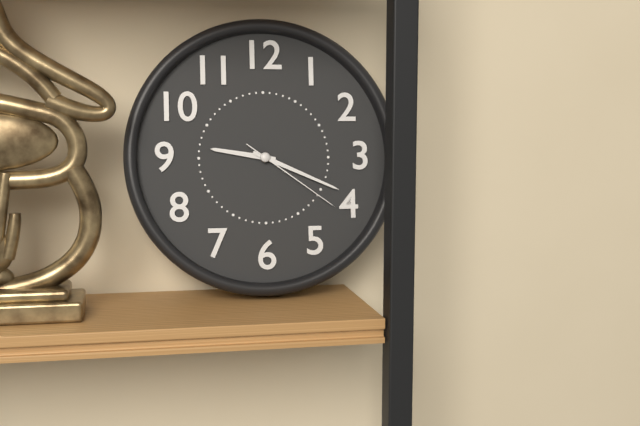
{"hour": 9, "minute": 19, "second": 21}
